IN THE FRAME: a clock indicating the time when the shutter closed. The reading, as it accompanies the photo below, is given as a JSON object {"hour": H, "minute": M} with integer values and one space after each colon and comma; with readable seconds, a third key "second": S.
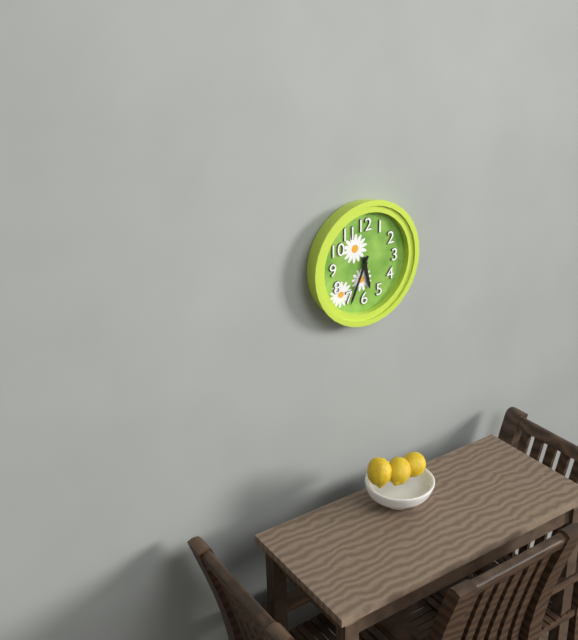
{"hour": 5, "minute": 34}
